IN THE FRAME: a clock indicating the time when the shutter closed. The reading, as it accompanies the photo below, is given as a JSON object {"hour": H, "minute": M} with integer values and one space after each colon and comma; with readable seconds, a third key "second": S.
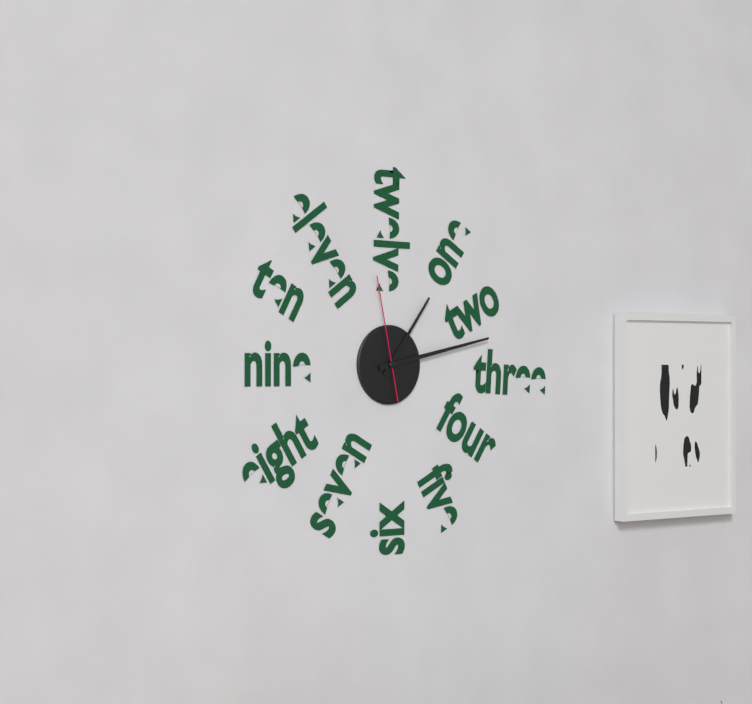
{"hour": 1, "minute": 13, "second": 58}
